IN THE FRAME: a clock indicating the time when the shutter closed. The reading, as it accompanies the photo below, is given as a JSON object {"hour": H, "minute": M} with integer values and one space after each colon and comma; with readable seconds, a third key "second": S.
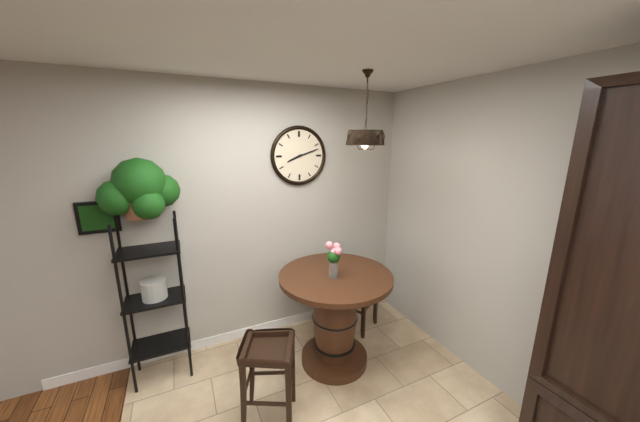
{"hour": 8, "minute": 12}
